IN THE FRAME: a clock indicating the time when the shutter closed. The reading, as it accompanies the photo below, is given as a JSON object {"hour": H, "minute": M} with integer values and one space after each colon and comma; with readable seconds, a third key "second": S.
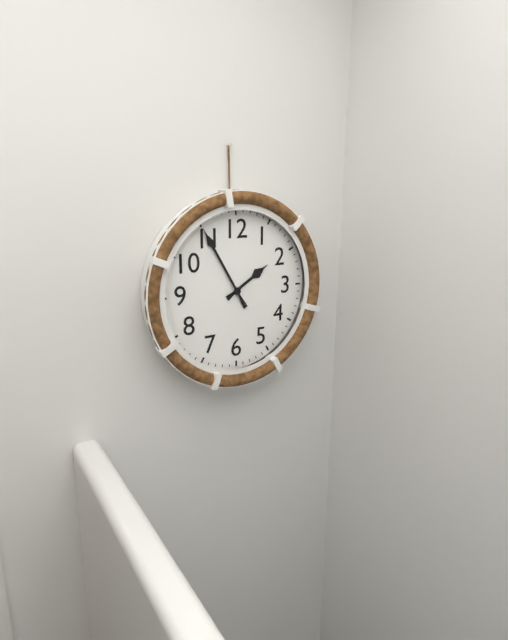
{"hour": 1, "minute": 55}
